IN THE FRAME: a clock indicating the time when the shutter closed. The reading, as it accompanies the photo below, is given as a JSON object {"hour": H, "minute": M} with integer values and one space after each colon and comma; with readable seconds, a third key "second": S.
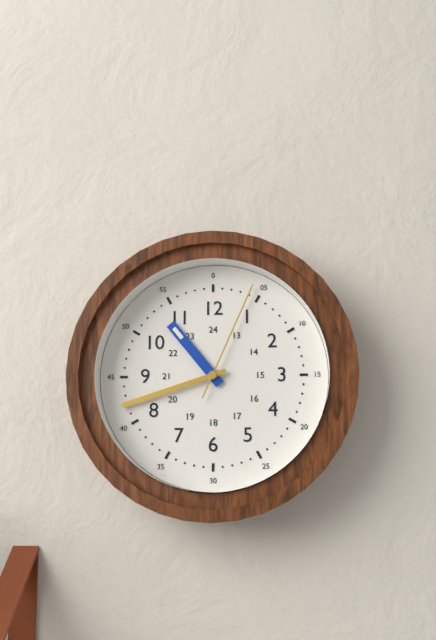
{"hour": 10, "minute": 42, "second": 4}
